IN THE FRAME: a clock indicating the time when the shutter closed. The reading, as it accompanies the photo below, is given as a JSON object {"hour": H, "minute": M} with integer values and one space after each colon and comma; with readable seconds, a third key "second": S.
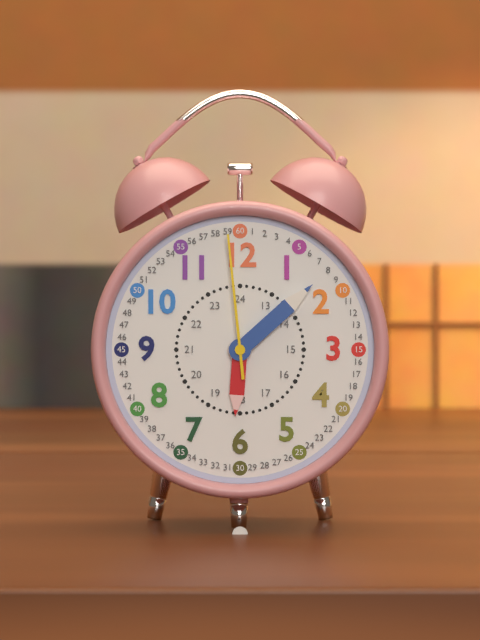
{"hour": 6, "minute": 8, "second": 59}
